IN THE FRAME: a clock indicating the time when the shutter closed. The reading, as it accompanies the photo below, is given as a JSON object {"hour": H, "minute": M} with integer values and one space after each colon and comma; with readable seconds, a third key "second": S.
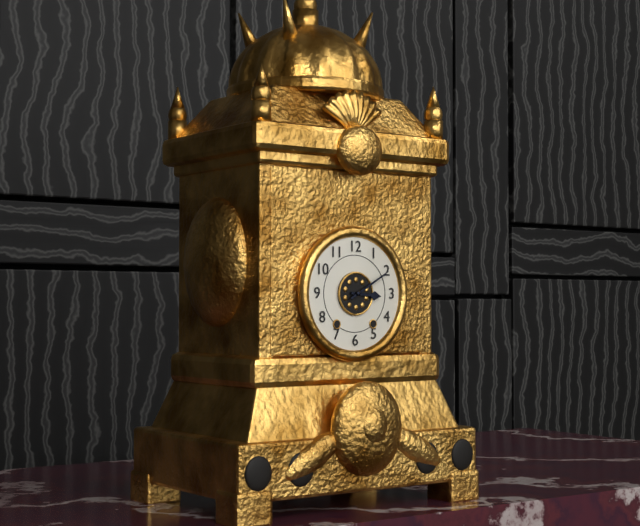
{"hour": 3, "minute": 10}
